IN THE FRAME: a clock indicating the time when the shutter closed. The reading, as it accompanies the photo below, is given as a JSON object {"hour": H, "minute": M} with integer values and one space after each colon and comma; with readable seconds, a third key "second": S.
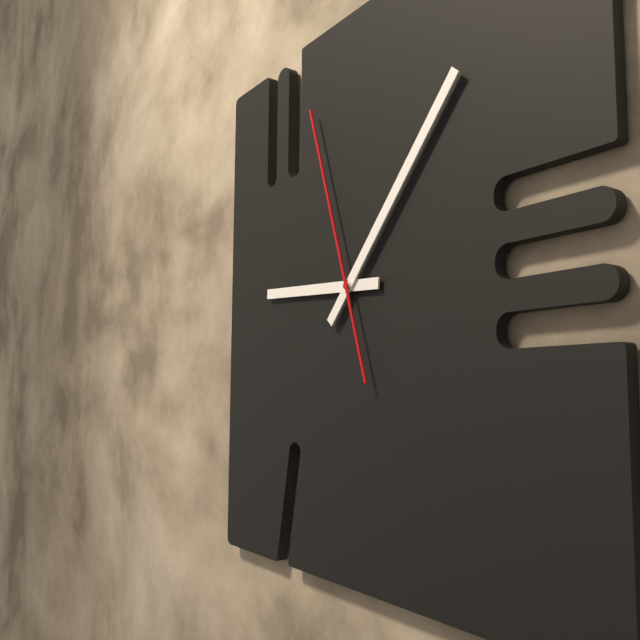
{"hour": 9, "minute": 7, "second": 57}
